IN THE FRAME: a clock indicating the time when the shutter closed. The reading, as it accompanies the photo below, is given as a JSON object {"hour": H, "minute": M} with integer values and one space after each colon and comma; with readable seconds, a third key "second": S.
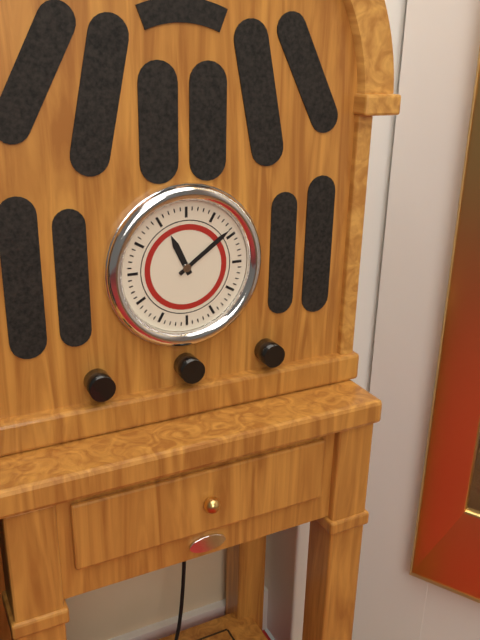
{"hour": 11, "minute": 9}
